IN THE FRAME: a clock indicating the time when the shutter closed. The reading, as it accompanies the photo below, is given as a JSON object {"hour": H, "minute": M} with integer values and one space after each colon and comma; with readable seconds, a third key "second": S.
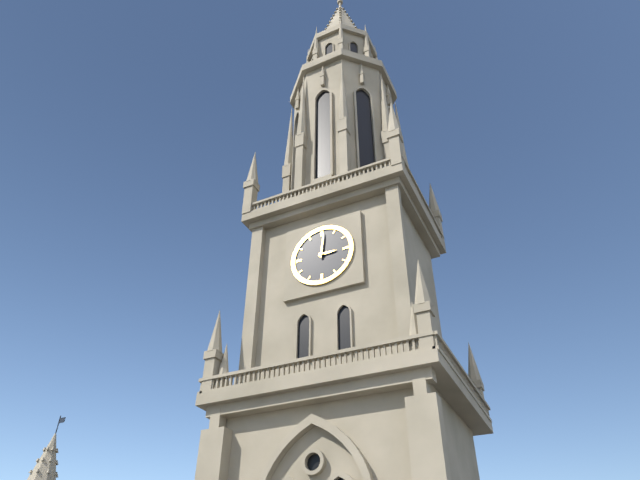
{"hour": 3, "minute": 1}
